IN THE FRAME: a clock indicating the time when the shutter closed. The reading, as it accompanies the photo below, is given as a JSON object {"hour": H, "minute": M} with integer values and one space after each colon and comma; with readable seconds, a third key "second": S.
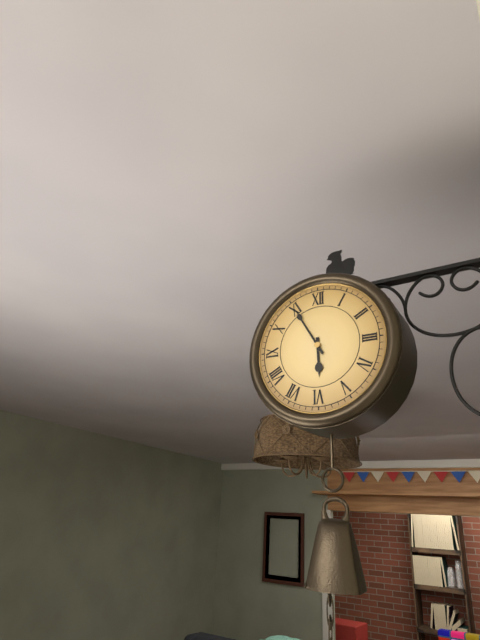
{"hour": 5, "minute": 55}
